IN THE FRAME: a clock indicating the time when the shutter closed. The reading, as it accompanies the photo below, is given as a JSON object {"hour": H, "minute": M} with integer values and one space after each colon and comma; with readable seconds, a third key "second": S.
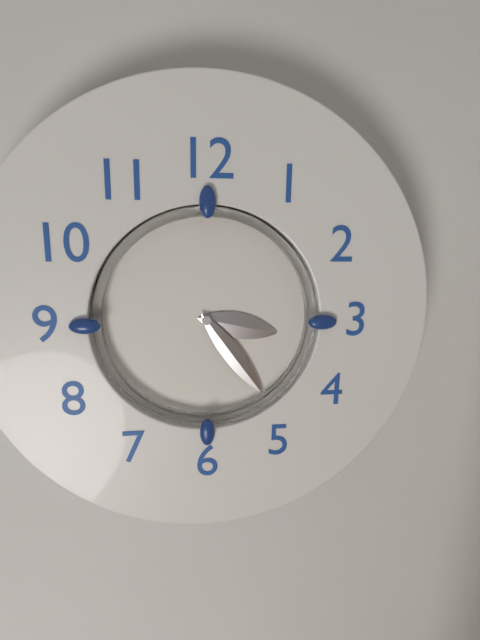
{"hour": 3, "minute": 24}
